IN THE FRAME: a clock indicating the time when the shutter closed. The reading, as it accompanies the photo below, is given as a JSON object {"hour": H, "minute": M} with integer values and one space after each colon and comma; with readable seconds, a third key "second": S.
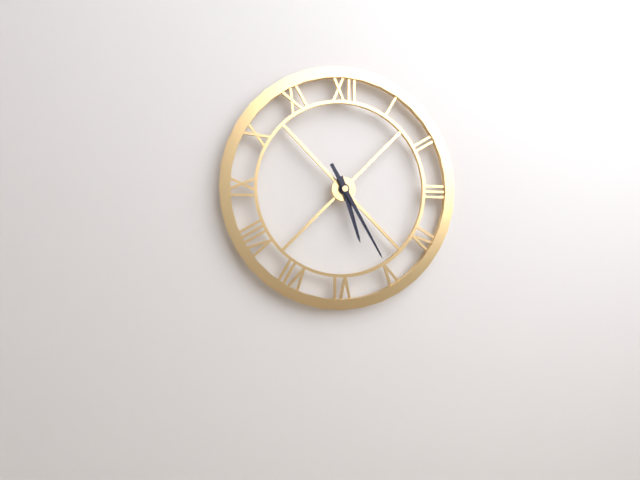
{"hour": 5, "minute": 25}
